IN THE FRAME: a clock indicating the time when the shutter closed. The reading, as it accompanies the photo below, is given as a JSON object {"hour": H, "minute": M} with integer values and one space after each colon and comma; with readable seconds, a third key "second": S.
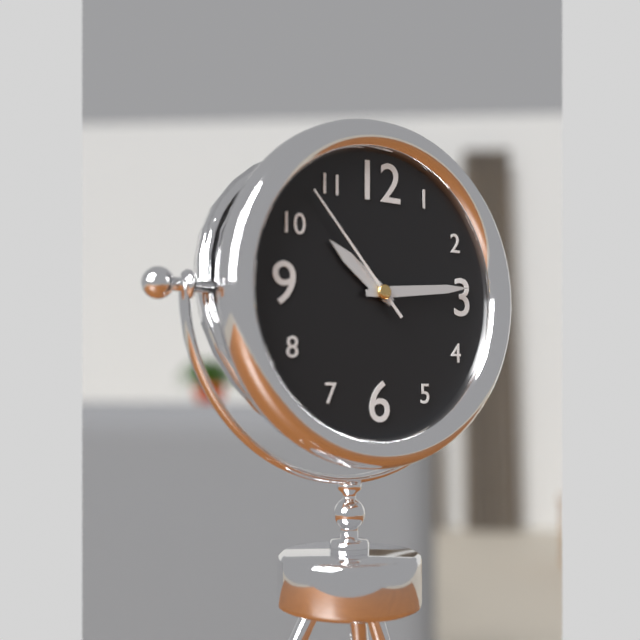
{"hour": 10, "minute": 14, "second": 53}
